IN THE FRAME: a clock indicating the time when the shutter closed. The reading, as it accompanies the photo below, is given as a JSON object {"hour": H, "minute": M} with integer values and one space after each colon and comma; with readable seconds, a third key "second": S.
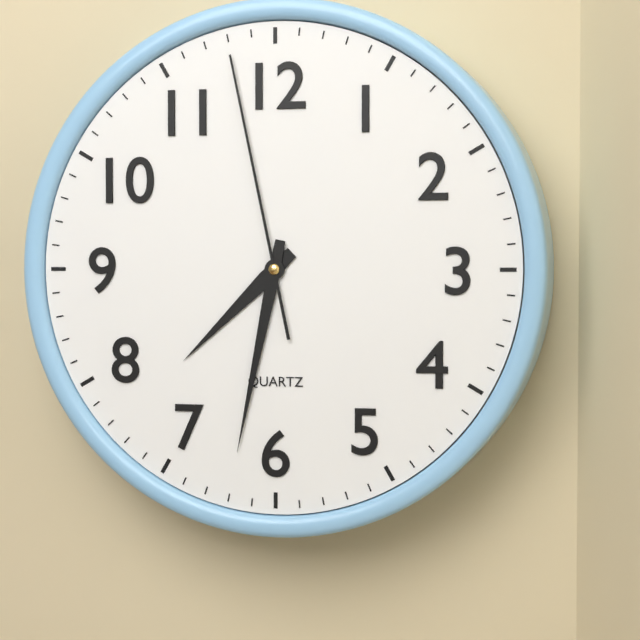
{"hour": 7, "minute": 32, "second": 58}
